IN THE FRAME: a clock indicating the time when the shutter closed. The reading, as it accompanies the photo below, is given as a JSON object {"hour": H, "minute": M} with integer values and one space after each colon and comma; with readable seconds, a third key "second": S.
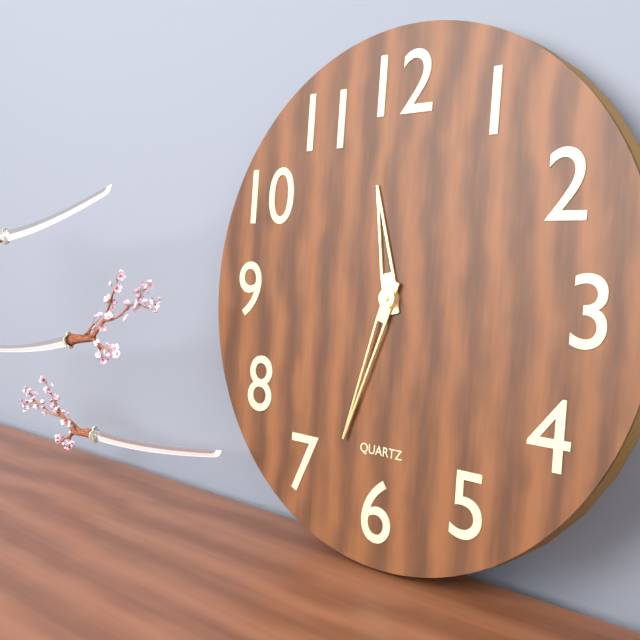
{"hour": 11, "minute": 33}
